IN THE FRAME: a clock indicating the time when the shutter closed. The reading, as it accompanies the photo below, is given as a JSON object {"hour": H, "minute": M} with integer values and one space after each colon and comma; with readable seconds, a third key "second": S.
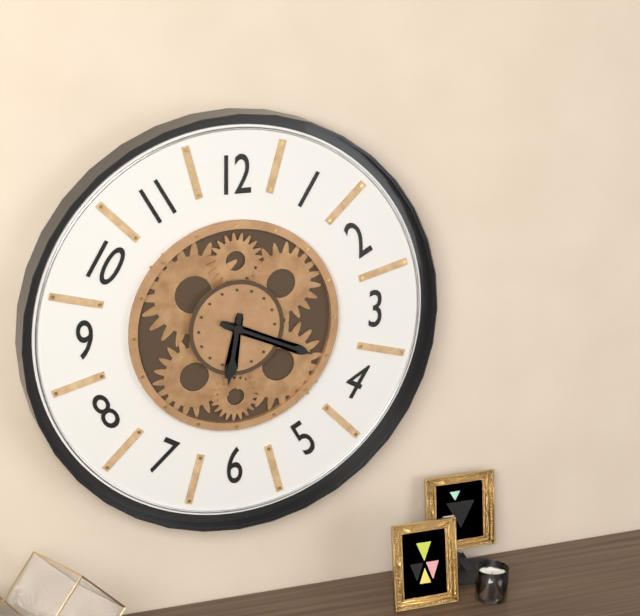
{"hour": 6, "minute": 19}
